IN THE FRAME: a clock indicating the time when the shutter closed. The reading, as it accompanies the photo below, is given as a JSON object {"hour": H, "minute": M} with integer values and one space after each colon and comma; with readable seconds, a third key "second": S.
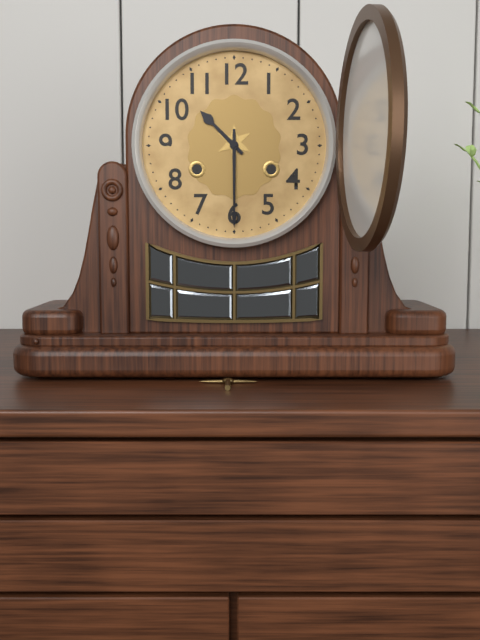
{"hour": 10, "minute": 30}
